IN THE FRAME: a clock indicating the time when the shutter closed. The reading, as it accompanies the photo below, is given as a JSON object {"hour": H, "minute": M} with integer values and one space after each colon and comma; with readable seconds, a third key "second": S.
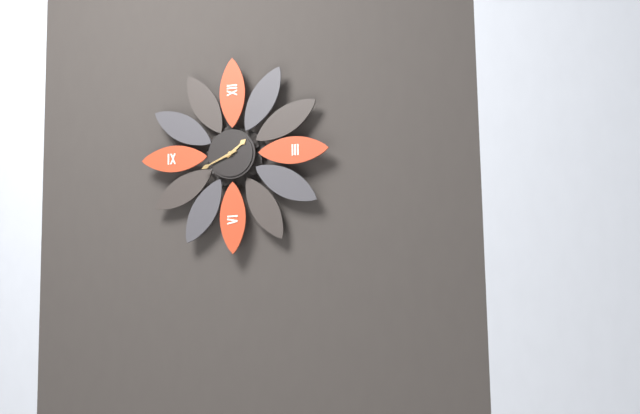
{"hour": 1, "minute": 41}
